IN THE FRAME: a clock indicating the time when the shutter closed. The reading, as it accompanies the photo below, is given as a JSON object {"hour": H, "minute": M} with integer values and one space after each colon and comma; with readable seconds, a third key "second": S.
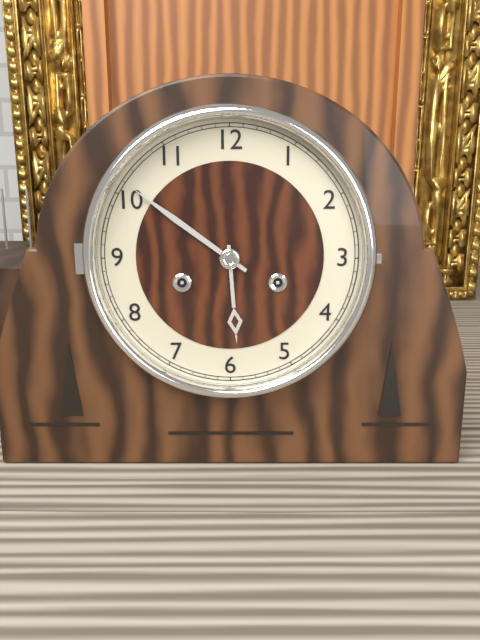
{"hour": 5, "minute": 51}
